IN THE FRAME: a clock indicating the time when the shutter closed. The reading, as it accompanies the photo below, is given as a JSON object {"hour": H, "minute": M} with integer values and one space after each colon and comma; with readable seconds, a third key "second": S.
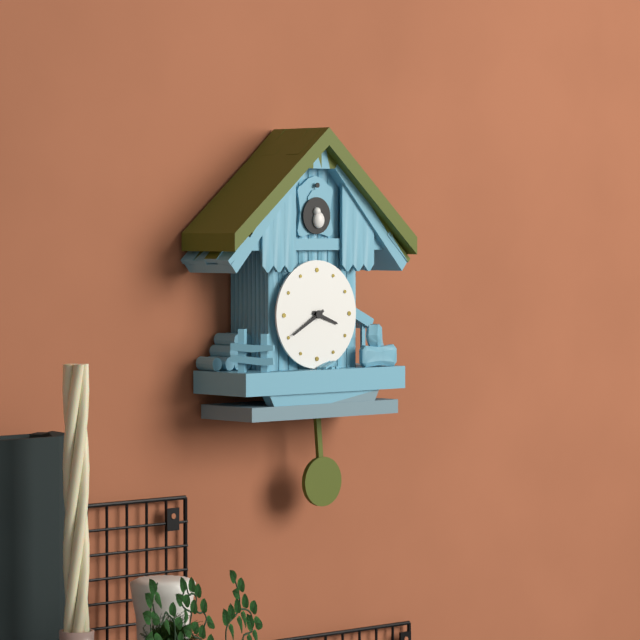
{"hour": 3, "minute": 40}
